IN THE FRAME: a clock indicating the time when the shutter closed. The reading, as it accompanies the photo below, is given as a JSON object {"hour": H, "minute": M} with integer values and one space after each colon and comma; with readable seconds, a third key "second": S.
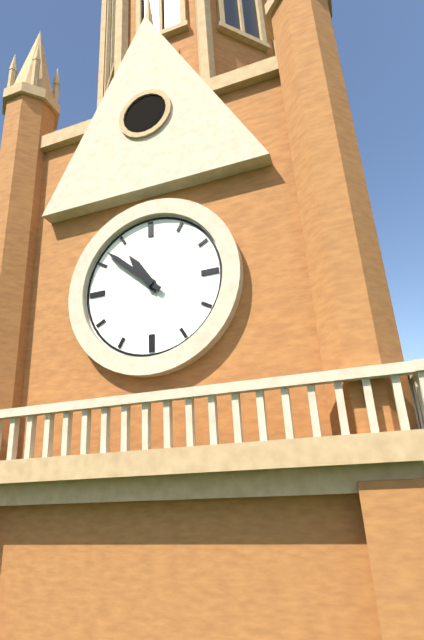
{"hour": 10, "minute": 52}
